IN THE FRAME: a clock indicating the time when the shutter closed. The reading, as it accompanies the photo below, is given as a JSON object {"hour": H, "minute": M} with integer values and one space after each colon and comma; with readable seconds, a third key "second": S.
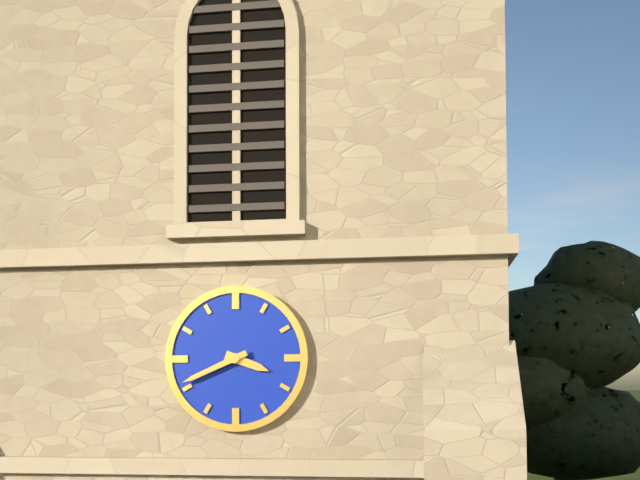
{"hour": 3, "minute": 41}
